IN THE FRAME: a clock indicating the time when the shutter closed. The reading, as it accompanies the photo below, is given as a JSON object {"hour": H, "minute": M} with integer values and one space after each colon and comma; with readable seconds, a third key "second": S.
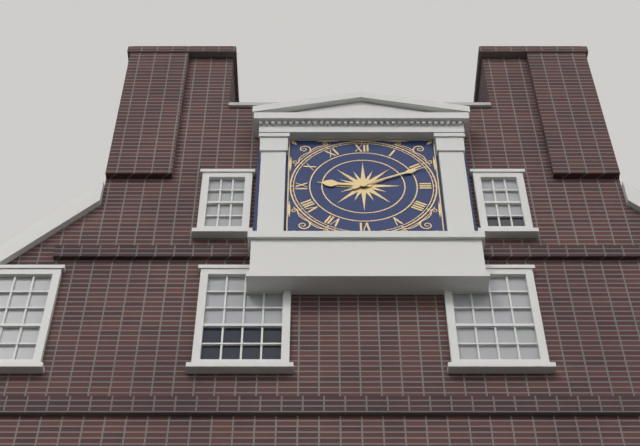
{"hour": 9, "minute": 11}
